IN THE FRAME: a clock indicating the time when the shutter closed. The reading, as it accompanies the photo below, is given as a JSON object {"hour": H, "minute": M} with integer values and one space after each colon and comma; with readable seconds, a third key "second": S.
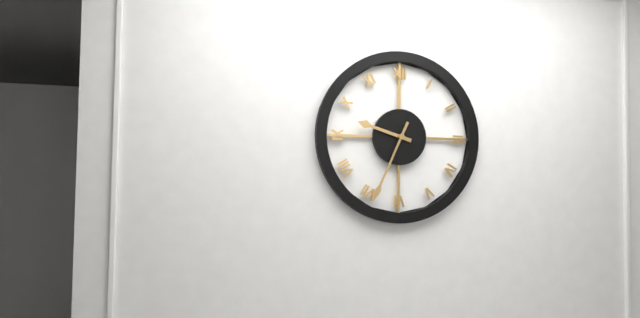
{"hour": 9, "minute": 34}
